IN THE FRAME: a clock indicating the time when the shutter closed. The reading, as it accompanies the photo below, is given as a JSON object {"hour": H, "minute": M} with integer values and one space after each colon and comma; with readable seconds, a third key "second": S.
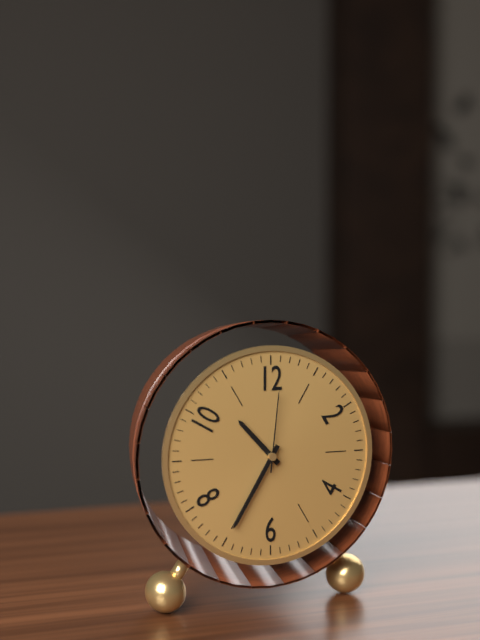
{"hour": 10, "minute": 35, "second": 1}
